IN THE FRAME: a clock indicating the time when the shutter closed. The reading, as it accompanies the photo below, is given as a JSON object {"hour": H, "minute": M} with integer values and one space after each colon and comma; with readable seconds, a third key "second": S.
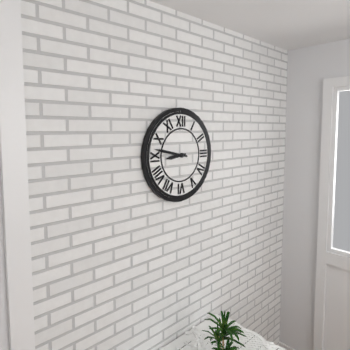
{"hour": 8, "minute": 47}
